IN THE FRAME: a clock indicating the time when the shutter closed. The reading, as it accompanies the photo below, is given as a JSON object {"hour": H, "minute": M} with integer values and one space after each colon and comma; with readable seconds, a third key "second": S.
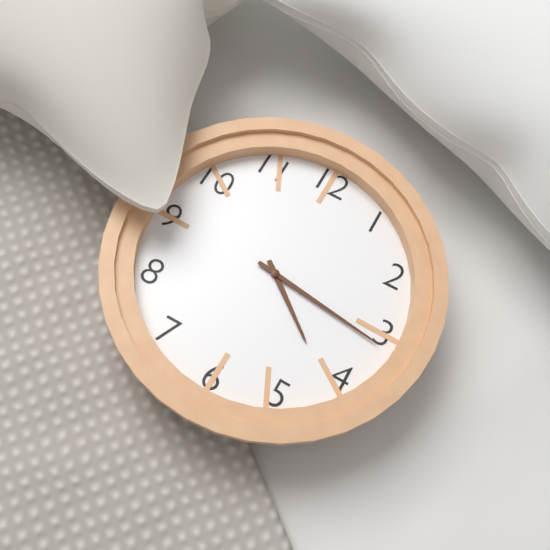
{"hour": 4, "minute": 16}
